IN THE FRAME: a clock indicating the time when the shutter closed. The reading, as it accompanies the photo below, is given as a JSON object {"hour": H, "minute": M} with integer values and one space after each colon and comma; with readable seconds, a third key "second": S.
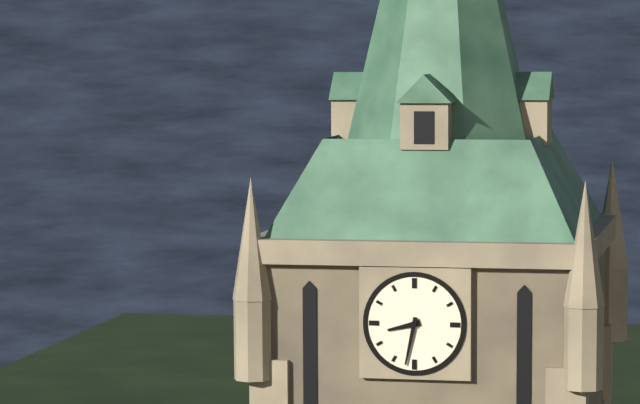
{"hour": 8, "minute": 32}
